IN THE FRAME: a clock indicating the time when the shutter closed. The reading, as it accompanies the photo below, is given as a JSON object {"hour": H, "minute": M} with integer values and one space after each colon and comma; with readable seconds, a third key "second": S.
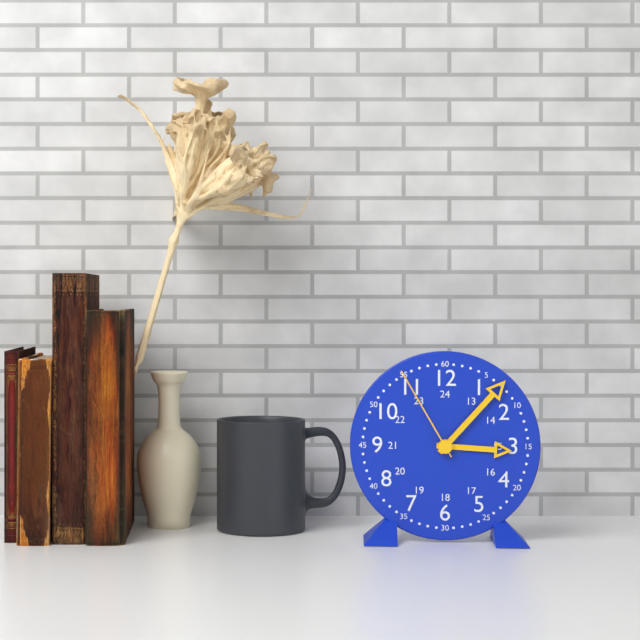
{"hour": 3, "minute": 7, "second": 55}
